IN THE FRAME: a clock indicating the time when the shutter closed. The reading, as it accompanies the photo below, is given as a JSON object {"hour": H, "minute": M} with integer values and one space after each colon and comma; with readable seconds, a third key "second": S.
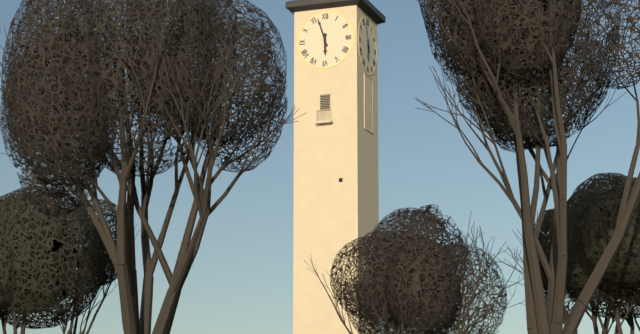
{"hour": 5, "minute": 57}
